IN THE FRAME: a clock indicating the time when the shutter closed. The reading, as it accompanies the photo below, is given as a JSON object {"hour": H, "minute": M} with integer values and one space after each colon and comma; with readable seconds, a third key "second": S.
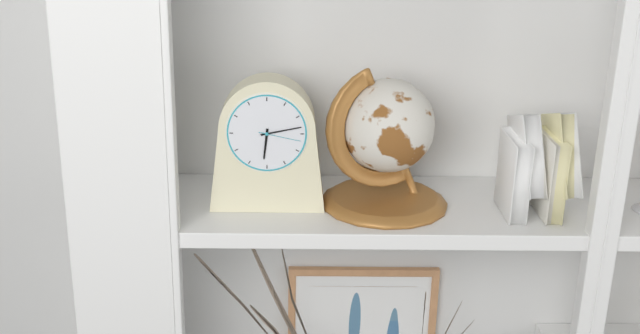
{"hour": 6, "minute": 13}
